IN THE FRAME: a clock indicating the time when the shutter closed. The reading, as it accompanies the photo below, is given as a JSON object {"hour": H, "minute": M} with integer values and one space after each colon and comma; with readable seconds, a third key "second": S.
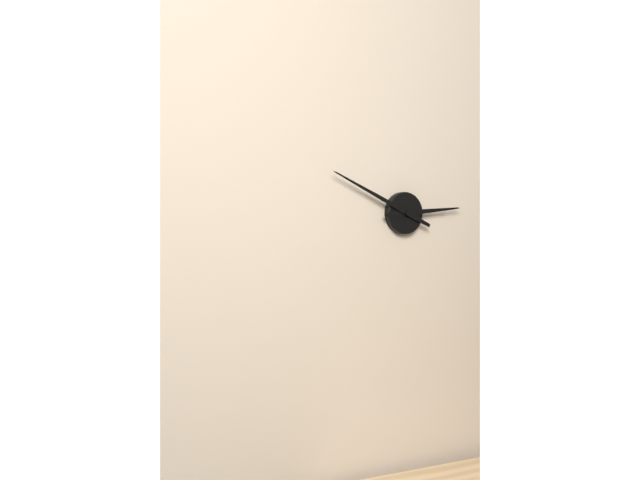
{"hour": 2, "minute": 49}
